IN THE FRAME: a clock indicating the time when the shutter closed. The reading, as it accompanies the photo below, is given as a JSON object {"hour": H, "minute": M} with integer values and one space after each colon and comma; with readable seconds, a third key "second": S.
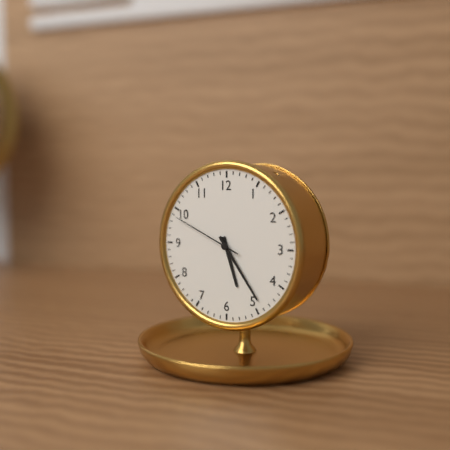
{"hour": 5, "minute": 24, "second": 49}
